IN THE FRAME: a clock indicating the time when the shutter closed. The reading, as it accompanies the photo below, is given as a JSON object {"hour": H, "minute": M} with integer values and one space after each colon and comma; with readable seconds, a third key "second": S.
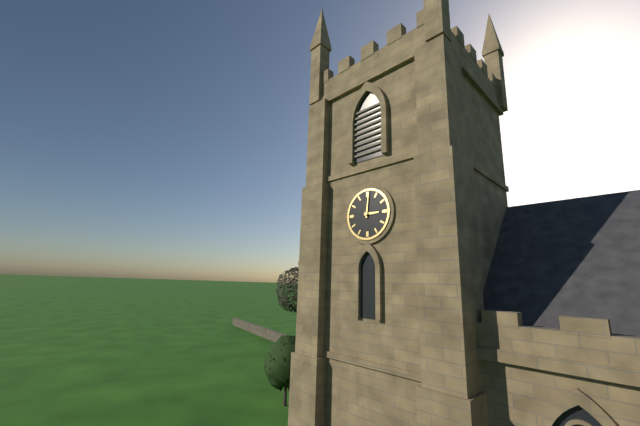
{"hour": 3, "minute": 1}
